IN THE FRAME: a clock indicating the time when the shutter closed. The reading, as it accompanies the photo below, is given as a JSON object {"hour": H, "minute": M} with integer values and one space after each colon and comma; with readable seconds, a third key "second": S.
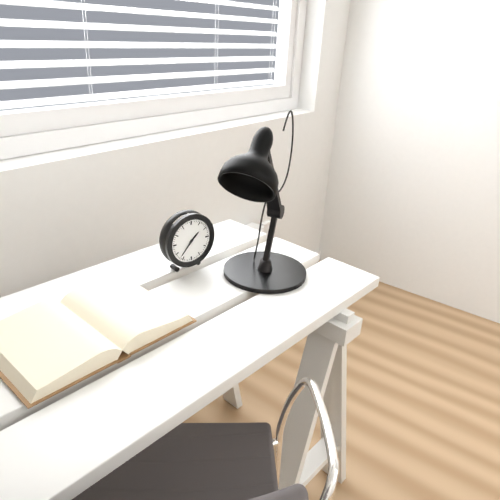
{"hour": 1, "minute": 37}
